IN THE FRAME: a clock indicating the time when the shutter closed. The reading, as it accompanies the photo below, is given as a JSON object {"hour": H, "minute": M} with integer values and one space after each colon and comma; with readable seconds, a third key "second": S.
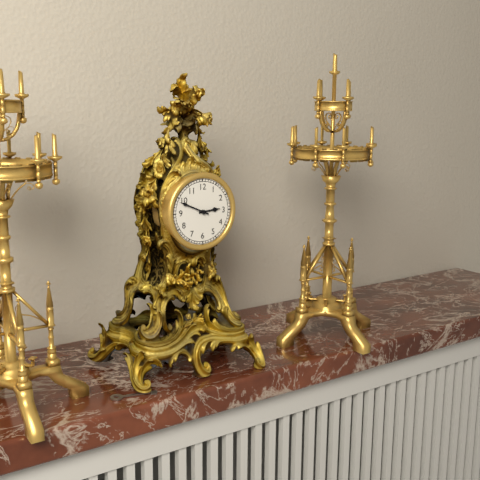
{"hour": 2, "minute": 49}
